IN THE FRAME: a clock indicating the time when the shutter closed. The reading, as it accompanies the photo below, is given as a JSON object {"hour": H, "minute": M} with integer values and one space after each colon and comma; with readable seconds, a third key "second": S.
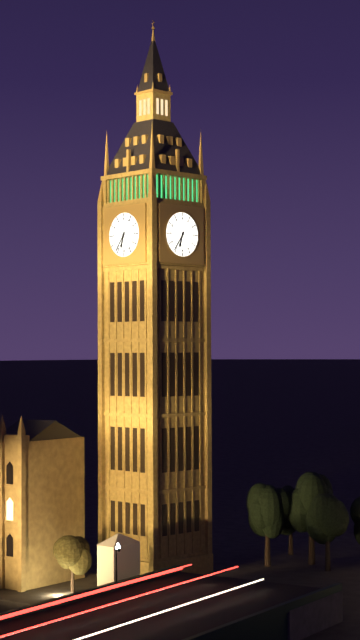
{"hour": 6, "minute": 36}
